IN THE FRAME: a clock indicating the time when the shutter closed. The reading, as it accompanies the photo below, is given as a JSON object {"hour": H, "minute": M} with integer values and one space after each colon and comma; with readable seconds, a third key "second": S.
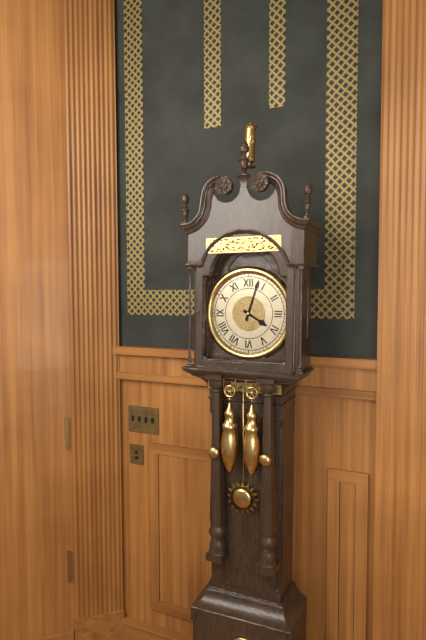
{"hour": 4, "minute": 3}
